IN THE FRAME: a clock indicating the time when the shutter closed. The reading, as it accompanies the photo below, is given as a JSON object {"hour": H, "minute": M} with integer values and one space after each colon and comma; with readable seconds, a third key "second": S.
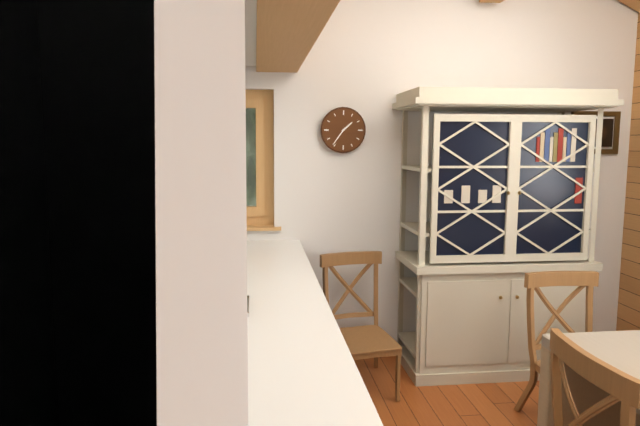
{"hour": 1, "minute": 36}
